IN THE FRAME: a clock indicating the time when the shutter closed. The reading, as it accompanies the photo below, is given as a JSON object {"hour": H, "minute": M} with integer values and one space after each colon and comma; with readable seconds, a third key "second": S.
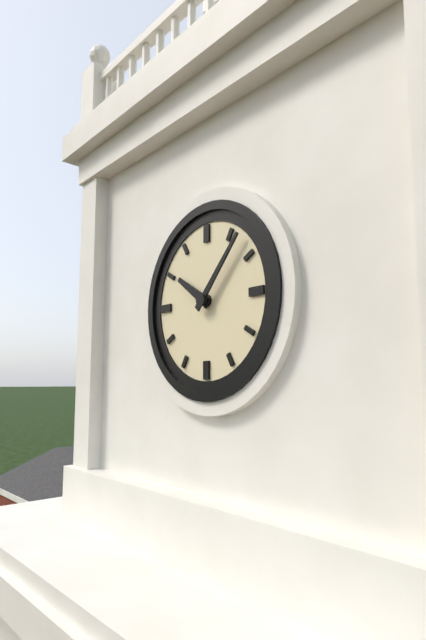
{"hour": 10, "minute": 7}
